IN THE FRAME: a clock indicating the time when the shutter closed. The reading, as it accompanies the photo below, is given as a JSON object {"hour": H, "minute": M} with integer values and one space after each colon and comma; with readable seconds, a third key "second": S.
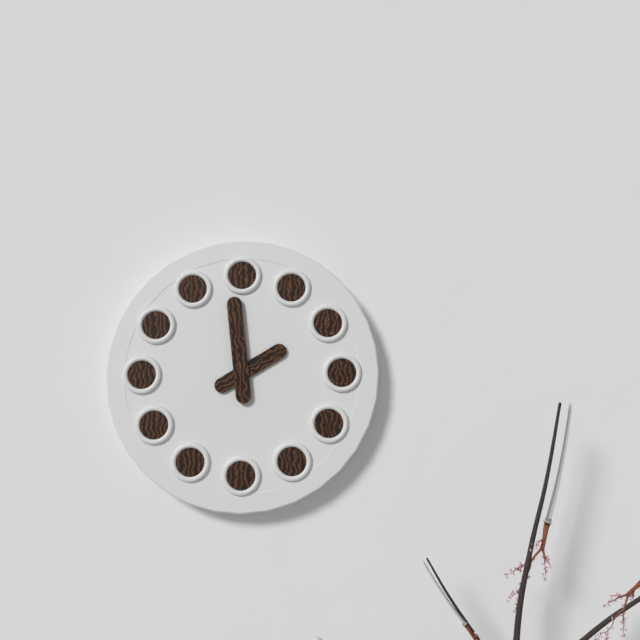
{"hour": 1, "minute": 59}
